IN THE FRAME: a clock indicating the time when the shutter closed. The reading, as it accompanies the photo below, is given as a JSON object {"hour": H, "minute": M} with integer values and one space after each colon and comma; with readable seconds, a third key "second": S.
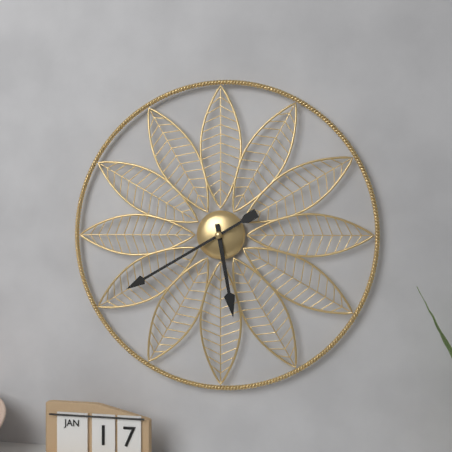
{"hour": 5, "minute": 40}
